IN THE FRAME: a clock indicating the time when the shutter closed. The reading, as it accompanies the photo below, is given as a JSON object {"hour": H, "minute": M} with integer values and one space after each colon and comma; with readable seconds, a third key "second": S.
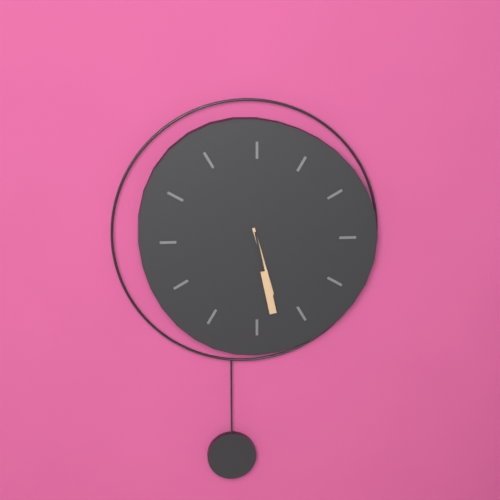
{"hour": 5, "minute": 28}
